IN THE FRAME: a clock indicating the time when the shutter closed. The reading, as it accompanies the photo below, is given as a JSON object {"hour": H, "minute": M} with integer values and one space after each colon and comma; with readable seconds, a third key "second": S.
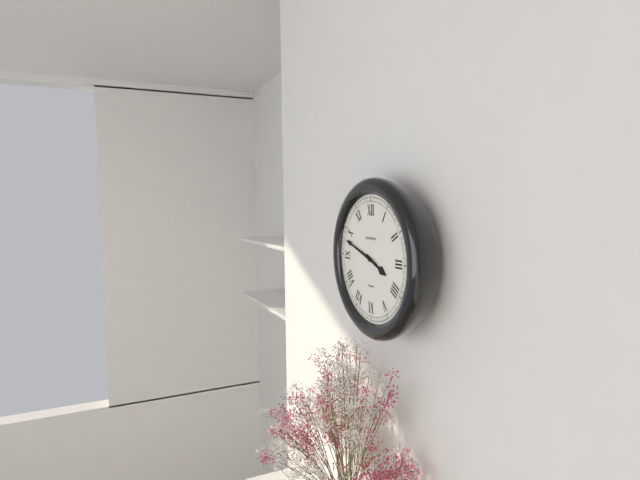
{"hour": 3, "minute": 48}
